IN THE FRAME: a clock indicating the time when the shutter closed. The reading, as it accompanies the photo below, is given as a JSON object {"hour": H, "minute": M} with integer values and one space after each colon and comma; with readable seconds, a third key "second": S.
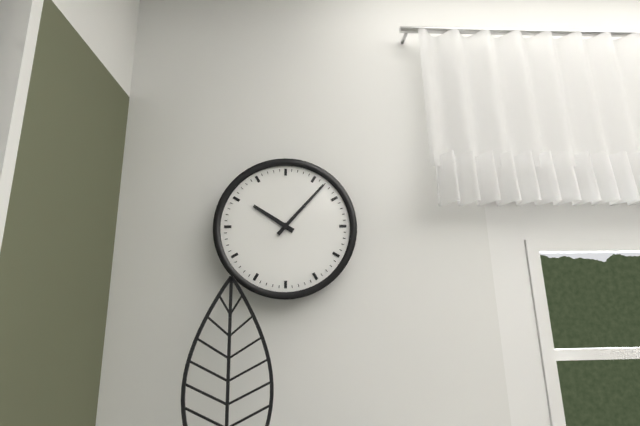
{"hour": 10, "minute": 7}
